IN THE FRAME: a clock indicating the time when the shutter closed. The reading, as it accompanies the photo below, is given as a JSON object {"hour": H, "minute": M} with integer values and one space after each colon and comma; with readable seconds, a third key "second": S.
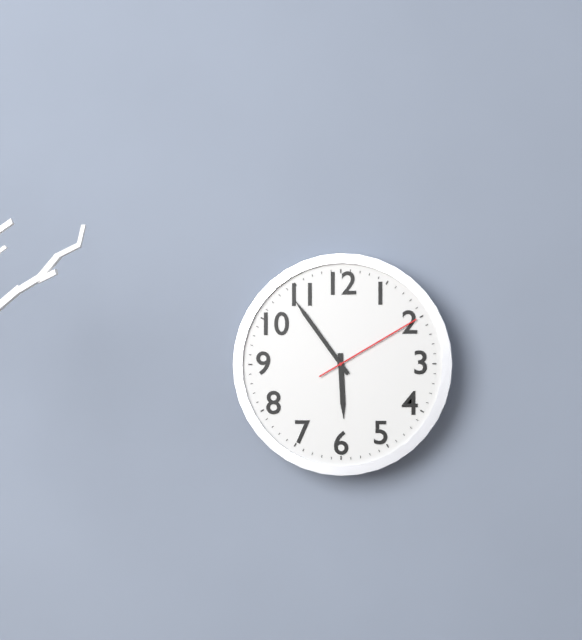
{"hour": 5, "minute": 54, "second": 10}
